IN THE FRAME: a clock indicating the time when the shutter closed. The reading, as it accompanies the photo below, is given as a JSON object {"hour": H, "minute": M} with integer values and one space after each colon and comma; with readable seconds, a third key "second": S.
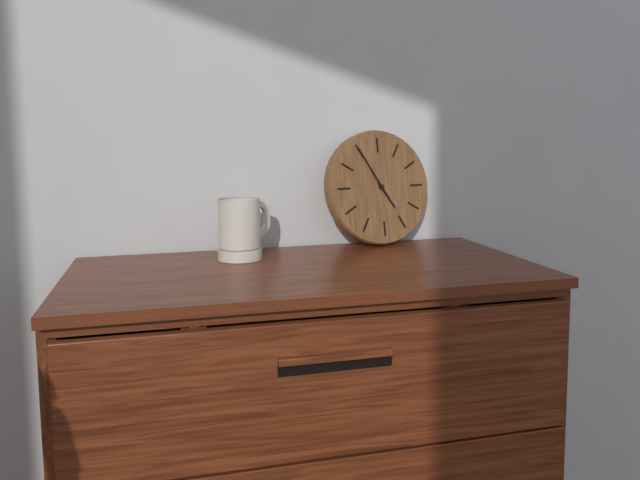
{"hour": 4, "minute": 55}
